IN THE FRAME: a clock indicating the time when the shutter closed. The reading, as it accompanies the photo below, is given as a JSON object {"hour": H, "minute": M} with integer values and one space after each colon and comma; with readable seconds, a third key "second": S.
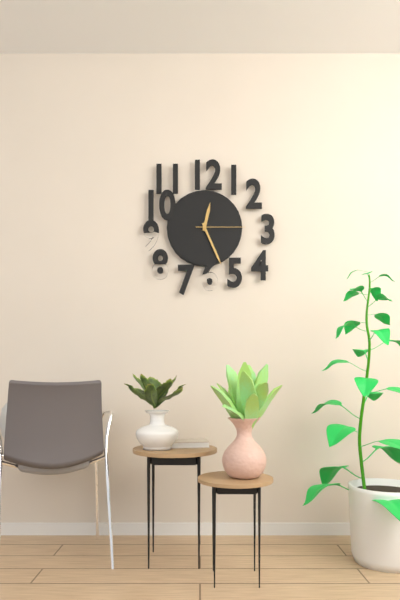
{"hour": 12, "minute": 26, "second": 15}
